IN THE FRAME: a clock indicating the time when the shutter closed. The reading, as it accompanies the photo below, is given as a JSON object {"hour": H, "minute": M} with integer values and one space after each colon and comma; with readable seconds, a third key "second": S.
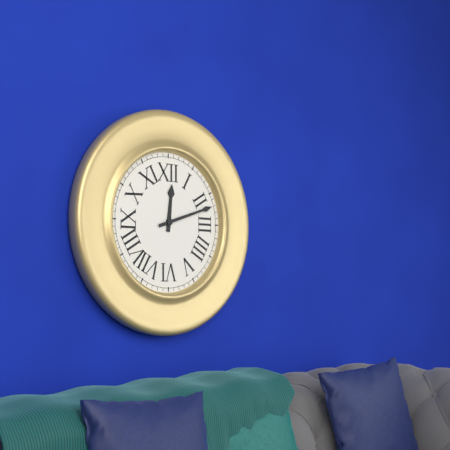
{"hour": 12, "minute": 12}
